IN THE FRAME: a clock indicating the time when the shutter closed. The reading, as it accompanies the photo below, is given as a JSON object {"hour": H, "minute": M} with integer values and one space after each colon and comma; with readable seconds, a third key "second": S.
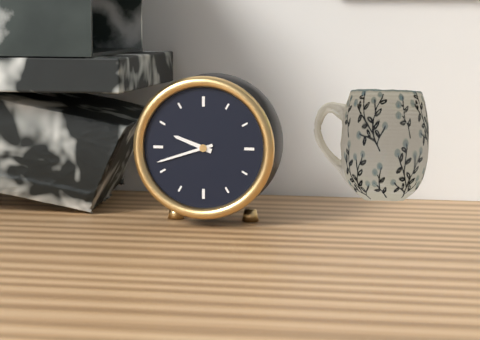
{"hour": 9, "minute": 42}
